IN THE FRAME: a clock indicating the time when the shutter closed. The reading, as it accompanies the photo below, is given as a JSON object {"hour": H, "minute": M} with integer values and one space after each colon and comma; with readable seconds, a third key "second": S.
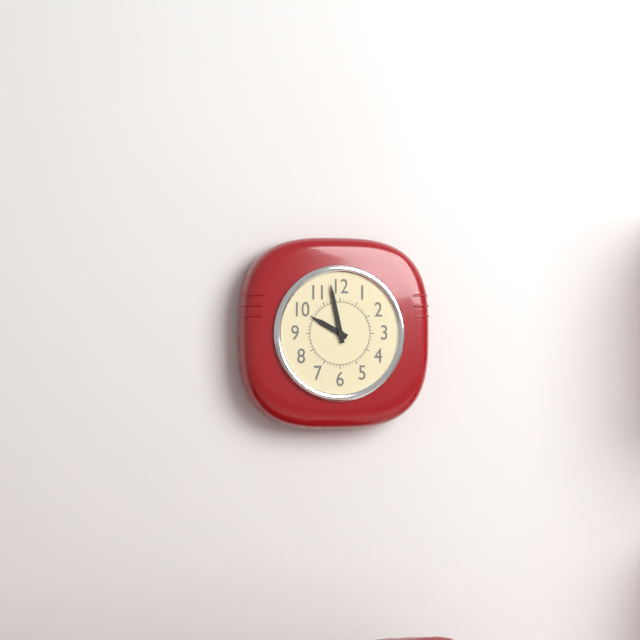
{"hour": 9, "minute": 58}
